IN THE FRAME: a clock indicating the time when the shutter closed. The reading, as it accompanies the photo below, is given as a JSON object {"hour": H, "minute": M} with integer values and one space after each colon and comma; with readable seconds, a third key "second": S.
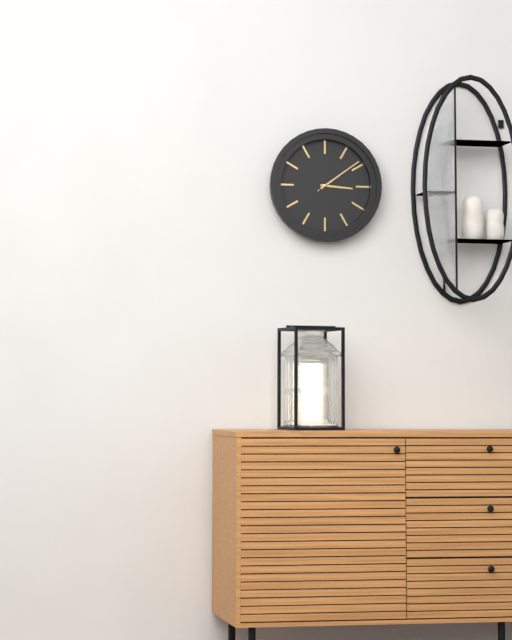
{"hour": 3, "minute": 9}
